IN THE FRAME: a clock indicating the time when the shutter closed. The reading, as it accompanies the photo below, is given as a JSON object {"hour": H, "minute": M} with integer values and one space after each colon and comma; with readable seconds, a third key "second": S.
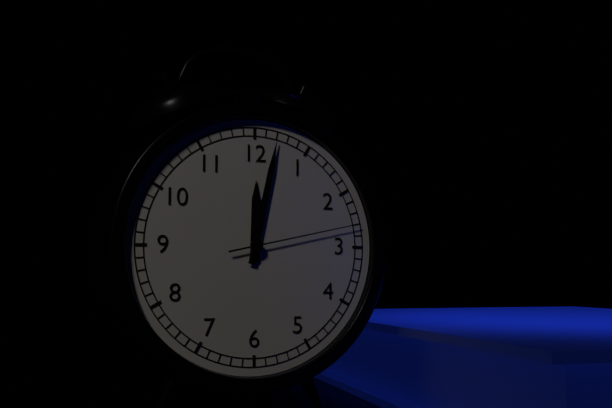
{"hour": 12, "minute": 2, "second": 13}
